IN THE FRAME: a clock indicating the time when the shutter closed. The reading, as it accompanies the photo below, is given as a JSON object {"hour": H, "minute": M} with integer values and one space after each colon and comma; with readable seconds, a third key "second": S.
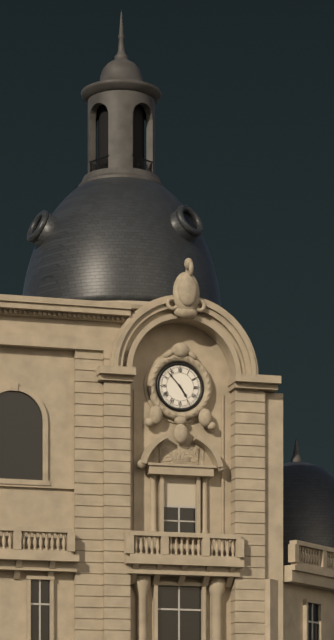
{"hour": 4, "minute": 53}
